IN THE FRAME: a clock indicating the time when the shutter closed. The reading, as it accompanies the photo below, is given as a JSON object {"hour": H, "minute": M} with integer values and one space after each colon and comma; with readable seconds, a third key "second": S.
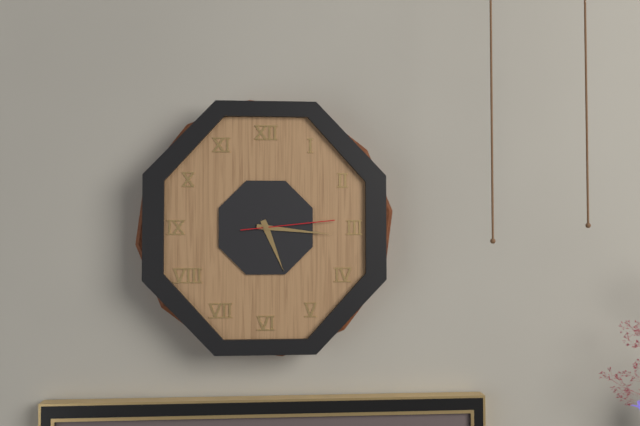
{"hour": 5, "minute": 16, "second": 14}
